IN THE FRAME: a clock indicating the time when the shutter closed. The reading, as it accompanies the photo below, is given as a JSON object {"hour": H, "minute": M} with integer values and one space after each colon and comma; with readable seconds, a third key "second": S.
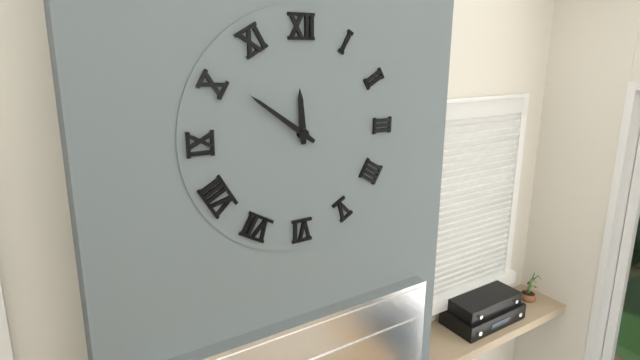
{"hour": 11, "minute": 51}
